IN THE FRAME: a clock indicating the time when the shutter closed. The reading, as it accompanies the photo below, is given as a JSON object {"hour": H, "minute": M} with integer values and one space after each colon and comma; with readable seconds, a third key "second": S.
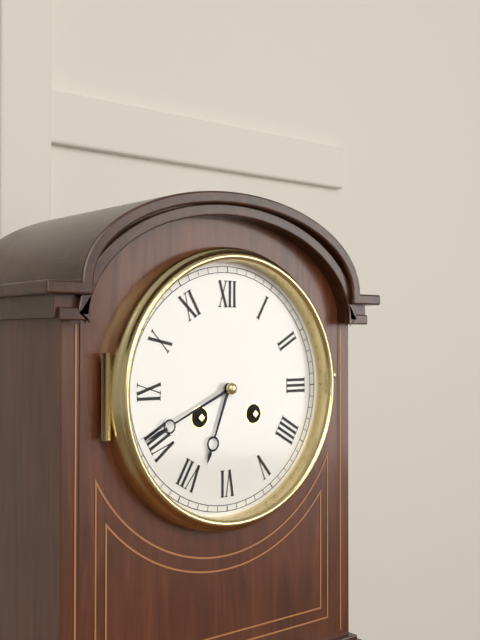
{"hour": 6, "minute": 41}
